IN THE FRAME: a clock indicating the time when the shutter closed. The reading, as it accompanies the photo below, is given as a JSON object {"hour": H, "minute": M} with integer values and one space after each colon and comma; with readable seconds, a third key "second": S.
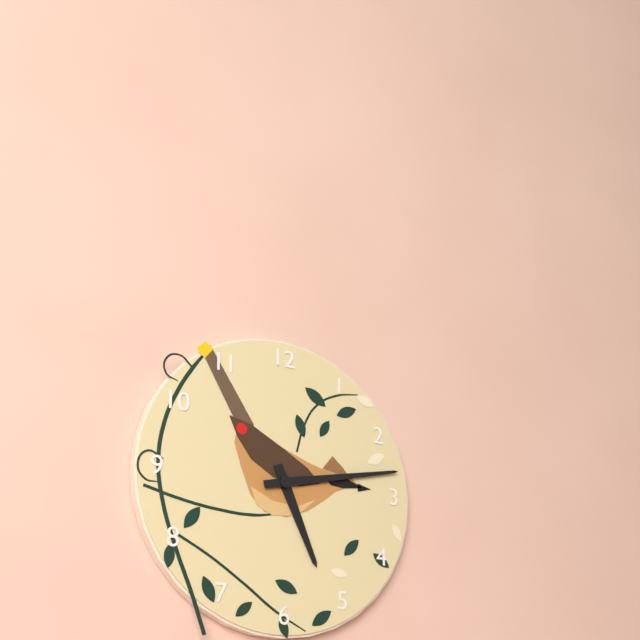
{"hour": 5, "minute": 13}
